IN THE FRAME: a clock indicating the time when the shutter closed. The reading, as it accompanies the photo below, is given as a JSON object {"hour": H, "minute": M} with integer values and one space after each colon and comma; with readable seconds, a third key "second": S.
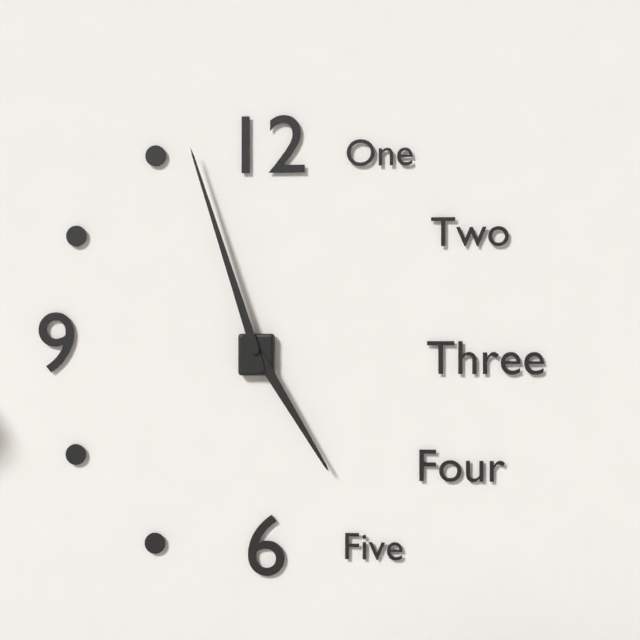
{"hour": 4, "minute": 57}
